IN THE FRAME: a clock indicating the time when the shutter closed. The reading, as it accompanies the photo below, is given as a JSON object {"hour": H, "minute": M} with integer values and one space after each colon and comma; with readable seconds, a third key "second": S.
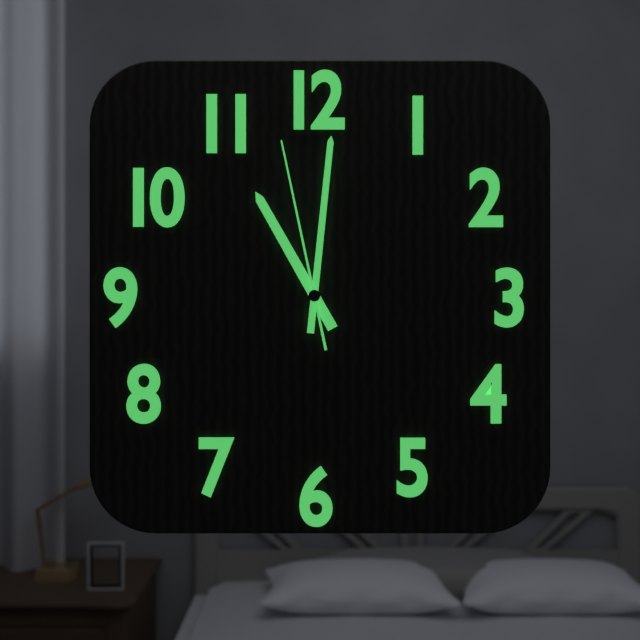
{"hour": 11, "minute": 1, "second": 58}
